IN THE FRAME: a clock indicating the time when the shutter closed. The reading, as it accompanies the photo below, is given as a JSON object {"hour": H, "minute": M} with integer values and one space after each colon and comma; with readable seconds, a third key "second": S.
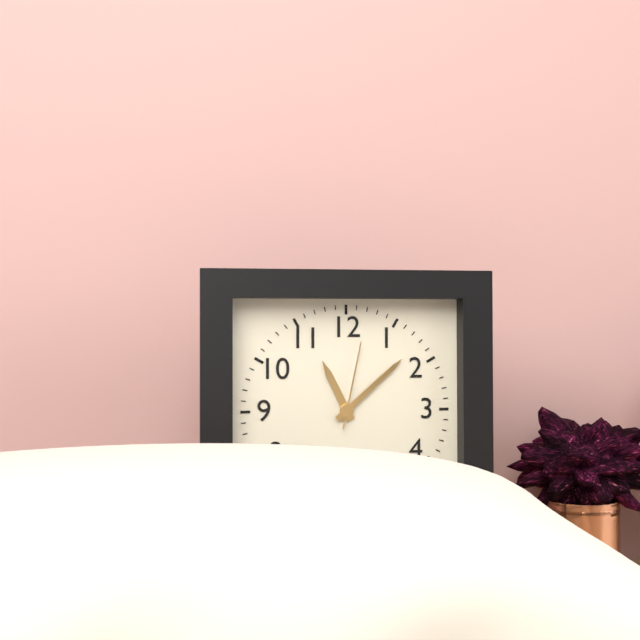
{"hour": 11, "minute": 8, "second": 2}
